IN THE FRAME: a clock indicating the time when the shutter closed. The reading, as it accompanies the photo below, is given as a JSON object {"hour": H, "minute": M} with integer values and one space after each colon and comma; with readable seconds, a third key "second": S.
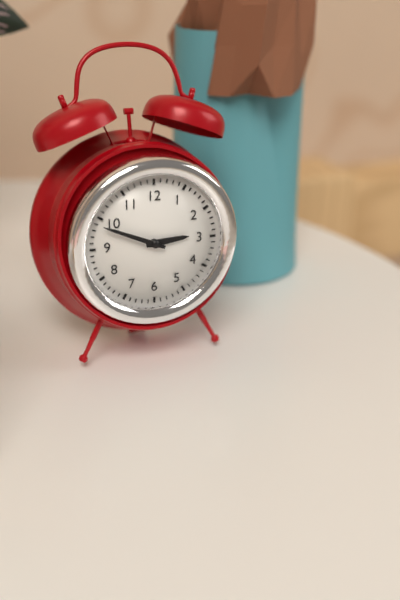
{"hour": 2, "minute": 49}
